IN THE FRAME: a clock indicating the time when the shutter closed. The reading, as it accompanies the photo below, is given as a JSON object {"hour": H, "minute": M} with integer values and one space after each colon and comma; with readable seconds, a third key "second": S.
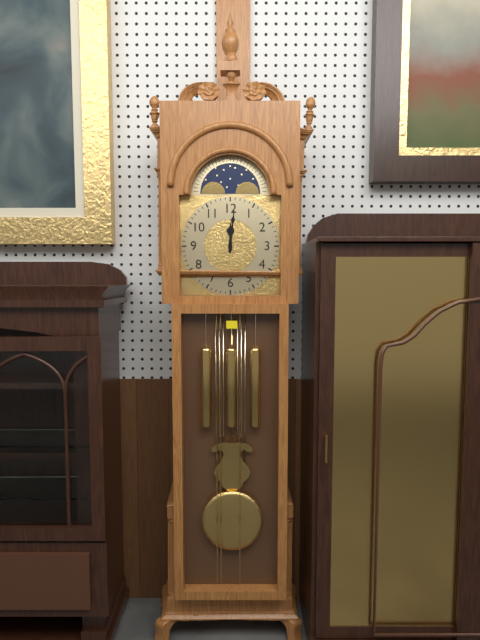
{"hour": 12, "minute": 1}
